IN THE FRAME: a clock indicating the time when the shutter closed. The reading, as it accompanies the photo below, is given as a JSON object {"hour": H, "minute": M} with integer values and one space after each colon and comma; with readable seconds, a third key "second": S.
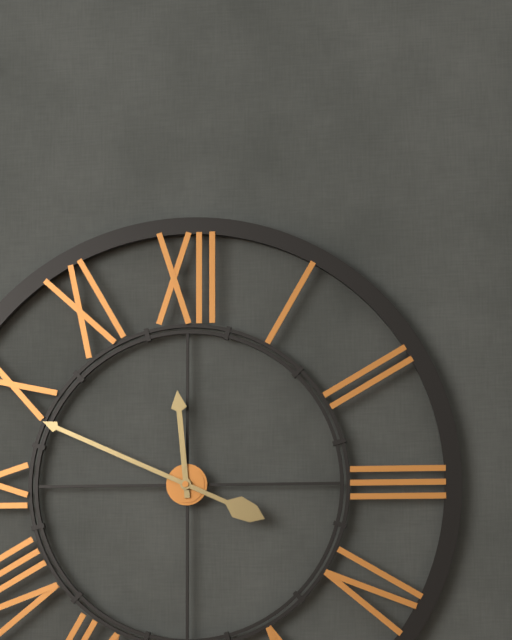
{"hour": 11, "minute": 49}
